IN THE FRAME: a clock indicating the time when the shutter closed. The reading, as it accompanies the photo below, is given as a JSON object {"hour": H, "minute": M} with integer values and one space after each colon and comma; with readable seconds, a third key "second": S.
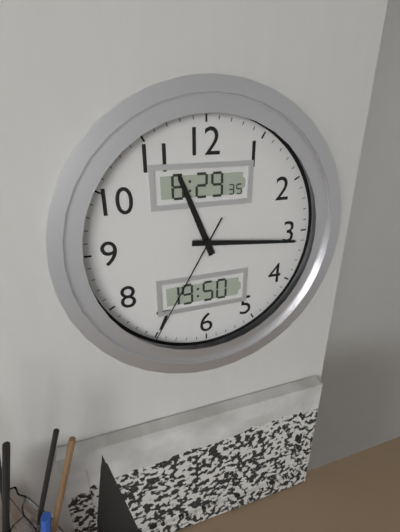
{"hour": 11, "minute": 16, "second": 35}
